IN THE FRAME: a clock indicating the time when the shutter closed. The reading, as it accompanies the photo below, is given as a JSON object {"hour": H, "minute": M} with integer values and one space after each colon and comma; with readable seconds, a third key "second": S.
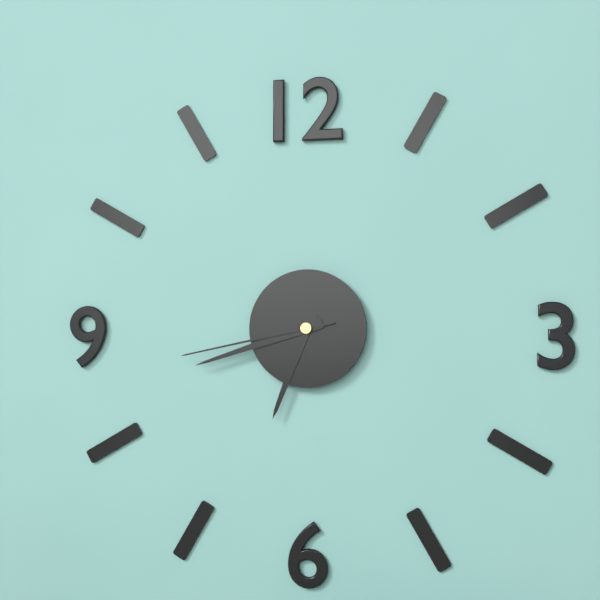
{"hour": 6, "minute": 42, "second": 43}
